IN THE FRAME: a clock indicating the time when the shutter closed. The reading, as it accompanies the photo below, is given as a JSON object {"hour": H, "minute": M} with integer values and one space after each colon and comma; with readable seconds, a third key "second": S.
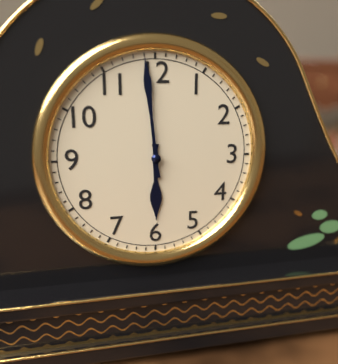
{"hour": 5, "minute": 59}
